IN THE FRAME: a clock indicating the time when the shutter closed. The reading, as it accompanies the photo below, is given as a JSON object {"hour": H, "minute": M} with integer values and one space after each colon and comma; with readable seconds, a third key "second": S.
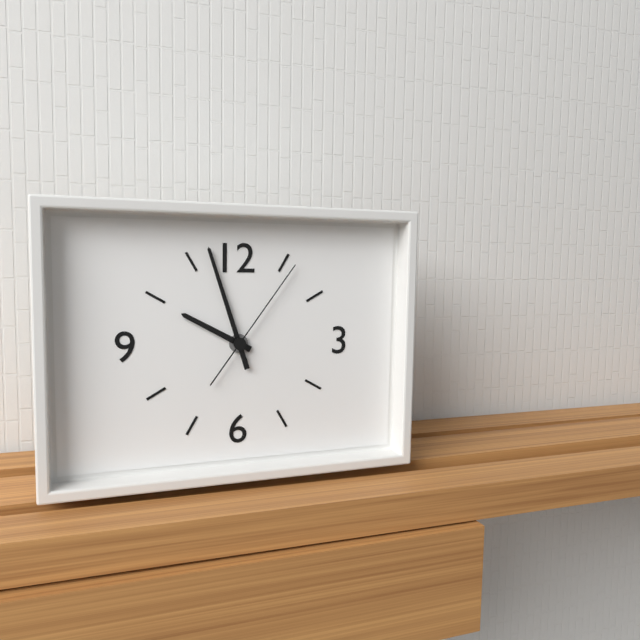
{"hour": 9, "minute": 57, "second": 6}
